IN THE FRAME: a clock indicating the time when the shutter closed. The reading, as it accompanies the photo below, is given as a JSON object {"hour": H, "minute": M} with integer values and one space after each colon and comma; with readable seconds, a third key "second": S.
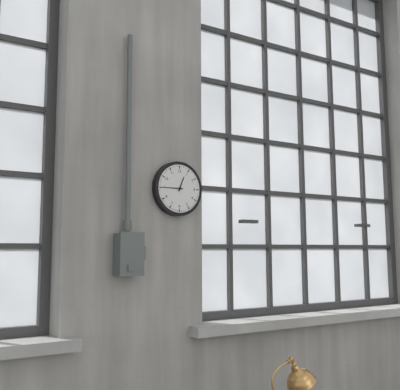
{"hour": 12, "minute": 45}
